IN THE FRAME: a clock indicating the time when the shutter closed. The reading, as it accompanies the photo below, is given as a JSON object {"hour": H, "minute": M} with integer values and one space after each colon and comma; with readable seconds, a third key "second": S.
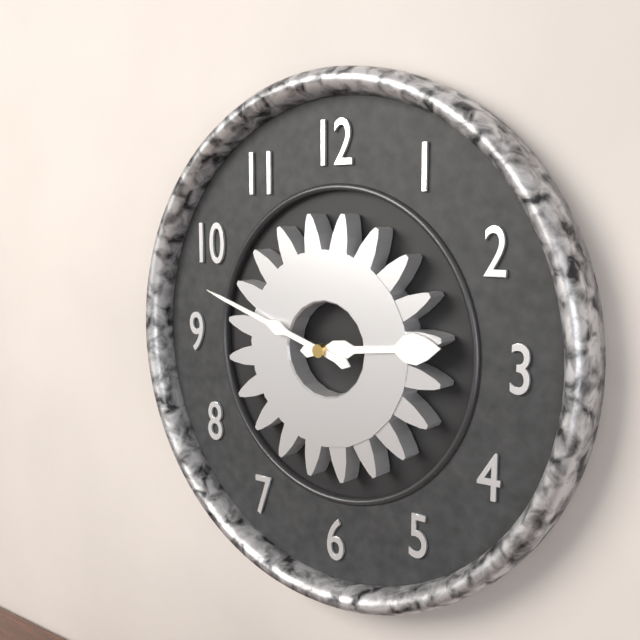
{"hour": 2, "minute": 48}
